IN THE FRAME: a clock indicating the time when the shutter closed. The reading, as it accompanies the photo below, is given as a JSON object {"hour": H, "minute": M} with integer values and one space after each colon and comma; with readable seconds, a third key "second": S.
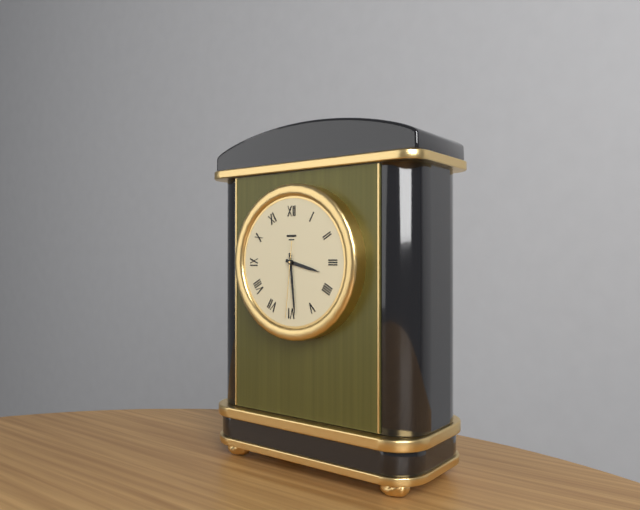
{"hour": 3, "minute": 29, "second": 31}
